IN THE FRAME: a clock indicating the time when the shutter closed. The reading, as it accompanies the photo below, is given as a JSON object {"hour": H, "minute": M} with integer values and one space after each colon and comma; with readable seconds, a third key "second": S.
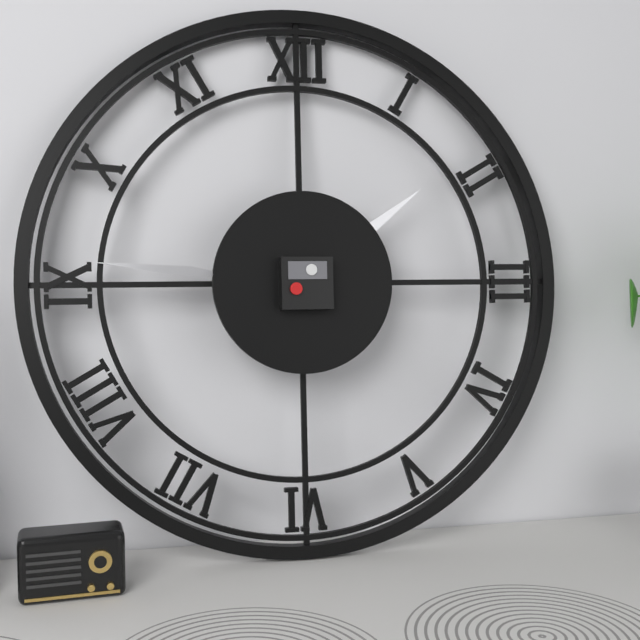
{"hour": 1, "minute": 46}
